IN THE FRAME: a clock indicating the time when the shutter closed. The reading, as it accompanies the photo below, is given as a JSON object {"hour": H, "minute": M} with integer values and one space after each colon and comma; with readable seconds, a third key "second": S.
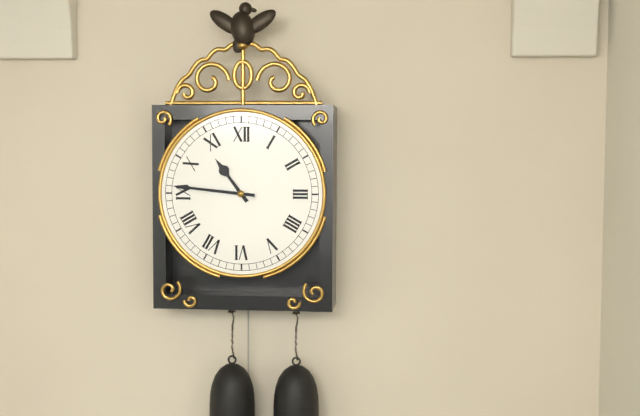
{"hour": 10, "minute": 46}
